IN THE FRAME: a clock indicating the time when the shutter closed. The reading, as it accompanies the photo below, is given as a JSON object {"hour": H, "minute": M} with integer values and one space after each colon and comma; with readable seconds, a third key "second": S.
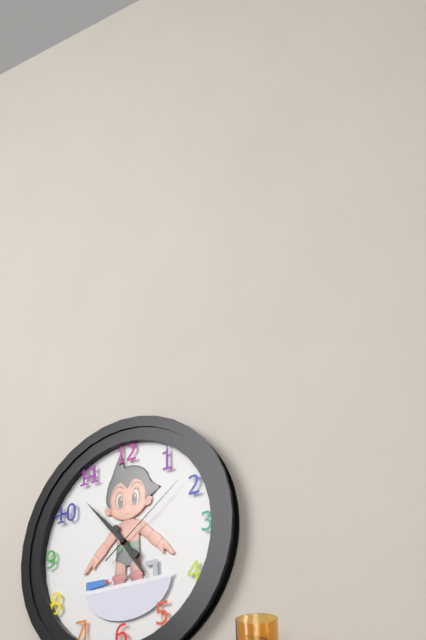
{"hour": 4, "minute": 53, "second": 9}
